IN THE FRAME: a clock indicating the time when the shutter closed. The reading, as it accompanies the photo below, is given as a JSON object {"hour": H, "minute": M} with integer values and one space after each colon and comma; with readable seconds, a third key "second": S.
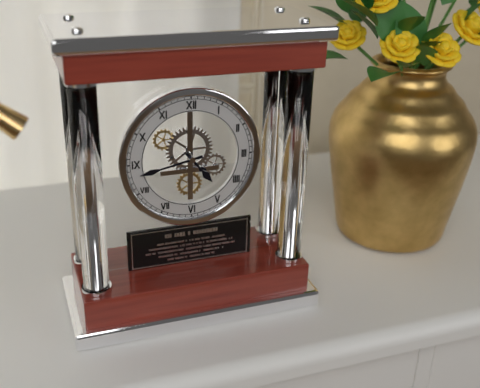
{"hour": 4, "minute": 43}
